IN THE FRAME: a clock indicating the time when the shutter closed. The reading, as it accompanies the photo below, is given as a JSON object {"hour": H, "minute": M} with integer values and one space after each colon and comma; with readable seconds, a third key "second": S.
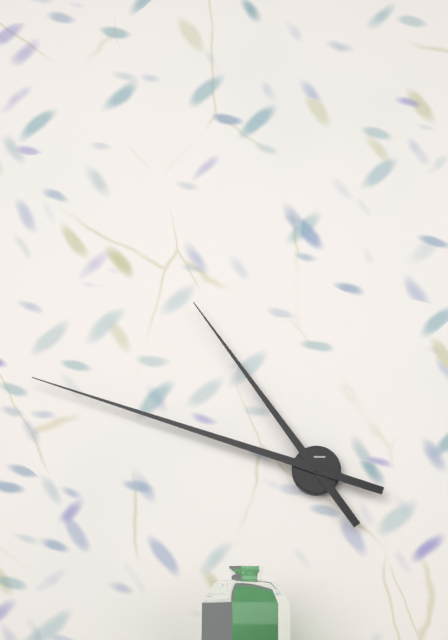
{"hour": 10, "minute": 48}
